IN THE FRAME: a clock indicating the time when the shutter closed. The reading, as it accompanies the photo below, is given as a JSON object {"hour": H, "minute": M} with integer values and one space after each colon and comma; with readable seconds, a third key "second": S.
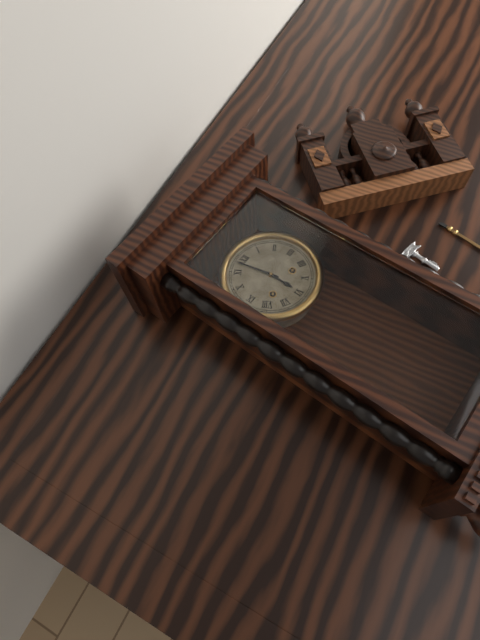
{"hour": 5, "minute": 58}
